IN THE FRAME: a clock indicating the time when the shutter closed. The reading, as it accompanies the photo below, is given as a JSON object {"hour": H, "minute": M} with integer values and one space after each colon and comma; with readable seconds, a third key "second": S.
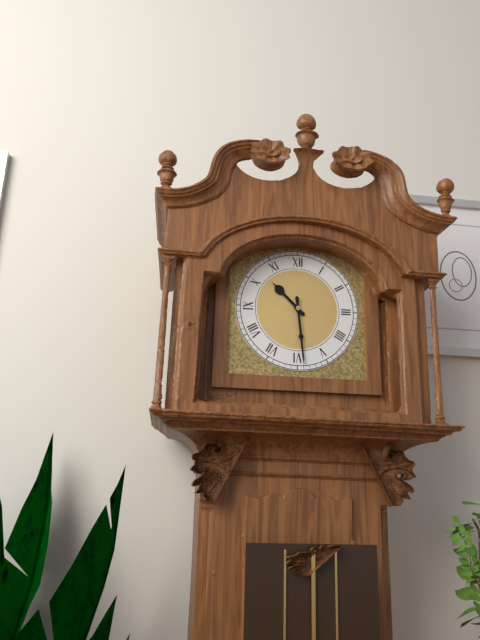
{"hour": 10, "minute": 29}
